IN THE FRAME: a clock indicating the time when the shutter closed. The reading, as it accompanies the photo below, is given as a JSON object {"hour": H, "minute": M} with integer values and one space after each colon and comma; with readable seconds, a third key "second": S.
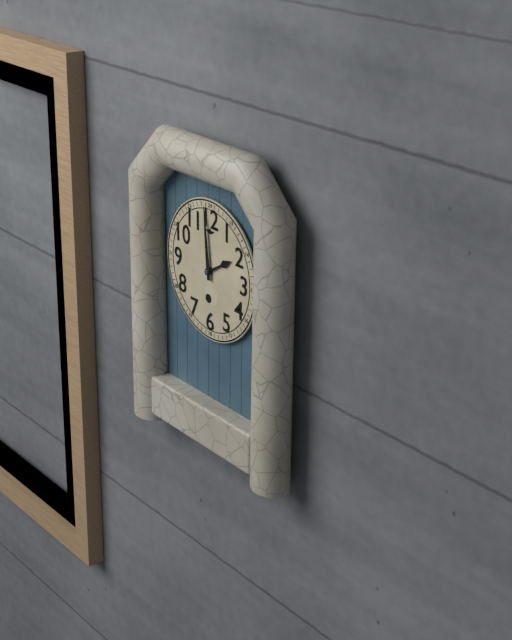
{"hour": 1, "minute": 59}
